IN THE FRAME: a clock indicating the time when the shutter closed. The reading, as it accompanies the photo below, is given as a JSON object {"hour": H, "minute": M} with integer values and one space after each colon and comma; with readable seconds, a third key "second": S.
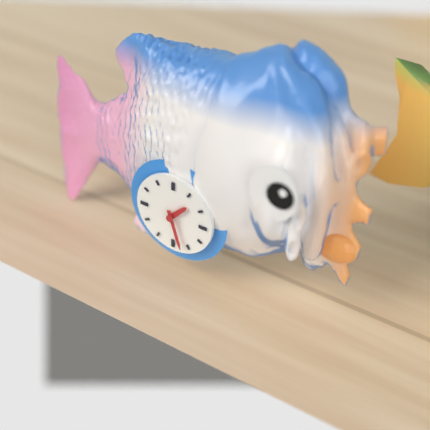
{"hour": 1, "minute": 27}
